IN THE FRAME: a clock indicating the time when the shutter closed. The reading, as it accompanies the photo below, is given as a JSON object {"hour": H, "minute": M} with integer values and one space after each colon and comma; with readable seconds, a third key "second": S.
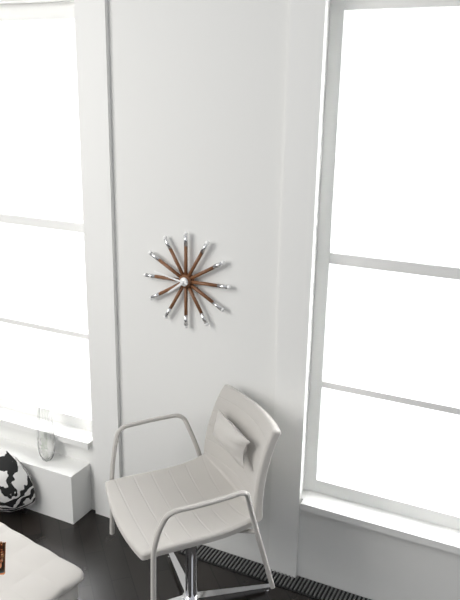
{"hour": 7, "minute": 47}
